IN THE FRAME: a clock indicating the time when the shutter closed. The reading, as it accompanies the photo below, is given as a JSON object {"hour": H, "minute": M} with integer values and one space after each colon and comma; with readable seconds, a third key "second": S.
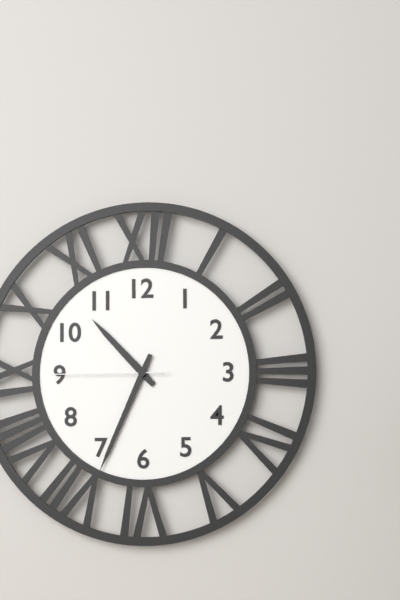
{"hour": 10, "minute": 34, "second": 45}
